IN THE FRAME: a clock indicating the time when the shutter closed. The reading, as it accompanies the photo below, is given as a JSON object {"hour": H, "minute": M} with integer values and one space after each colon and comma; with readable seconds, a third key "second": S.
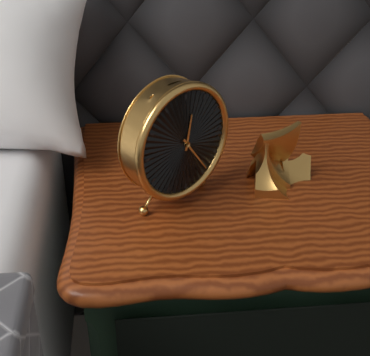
{"hour": 12, "minute": 24}
